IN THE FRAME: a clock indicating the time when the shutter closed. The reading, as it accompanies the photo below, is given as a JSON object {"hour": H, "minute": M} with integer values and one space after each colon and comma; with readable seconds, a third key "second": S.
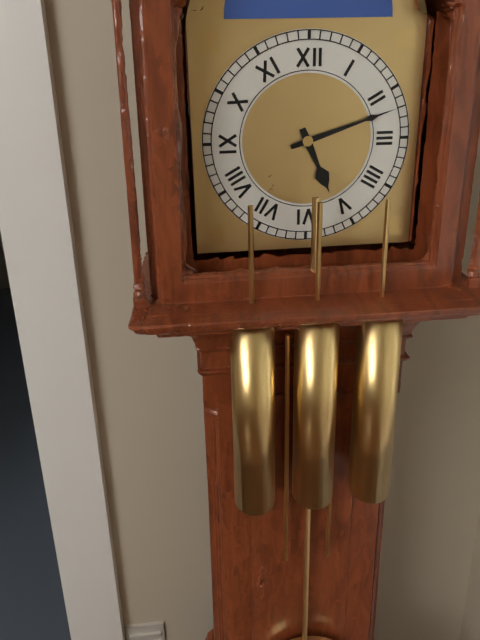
{"hour": 5, "minute": 12}
